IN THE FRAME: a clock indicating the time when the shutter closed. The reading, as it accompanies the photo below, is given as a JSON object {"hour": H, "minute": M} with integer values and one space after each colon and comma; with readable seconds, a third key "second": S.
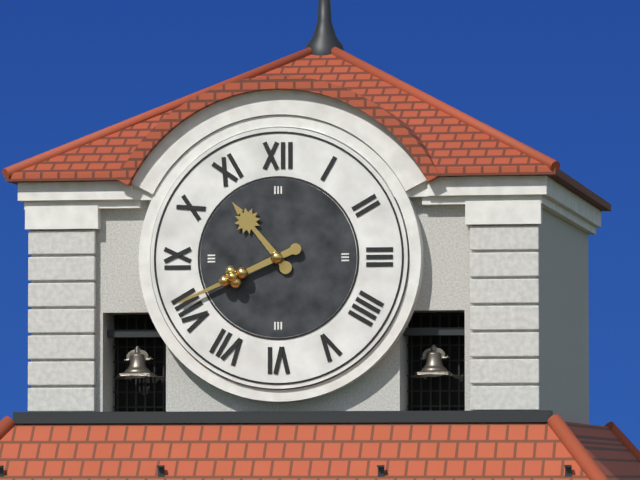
{"hour": 10, "minute": 41}
